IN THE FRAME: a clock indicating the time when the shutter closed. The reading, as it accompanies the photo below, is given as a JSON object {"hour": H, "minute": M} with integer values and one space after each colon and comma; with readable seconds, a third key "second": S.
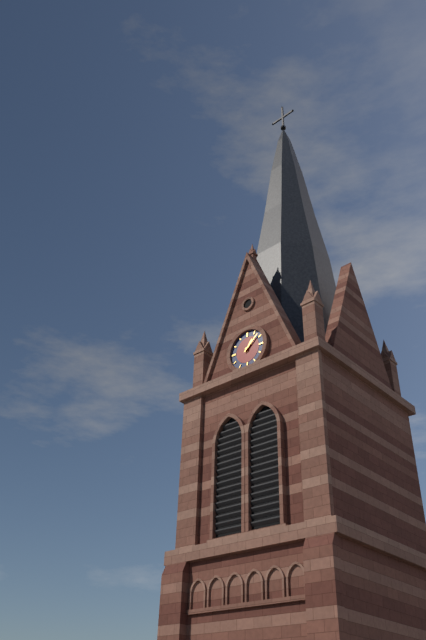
{"hour": 1, "minute": 8}
